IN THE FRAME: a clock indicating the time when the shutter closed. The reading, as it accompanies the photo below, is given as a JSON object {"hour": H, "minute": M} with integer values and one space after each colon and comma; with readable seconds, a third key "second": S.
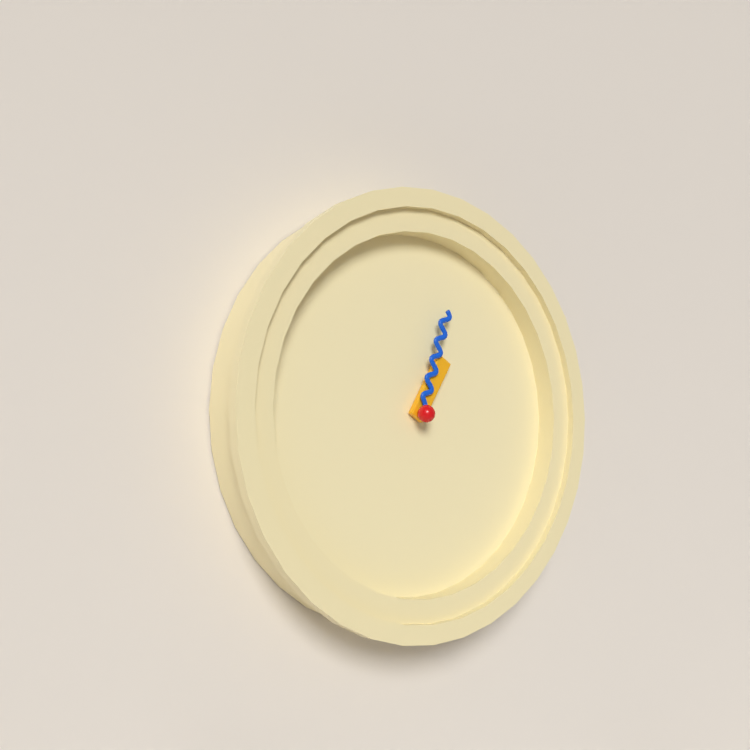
{"hour": 1, "minute": 3}
